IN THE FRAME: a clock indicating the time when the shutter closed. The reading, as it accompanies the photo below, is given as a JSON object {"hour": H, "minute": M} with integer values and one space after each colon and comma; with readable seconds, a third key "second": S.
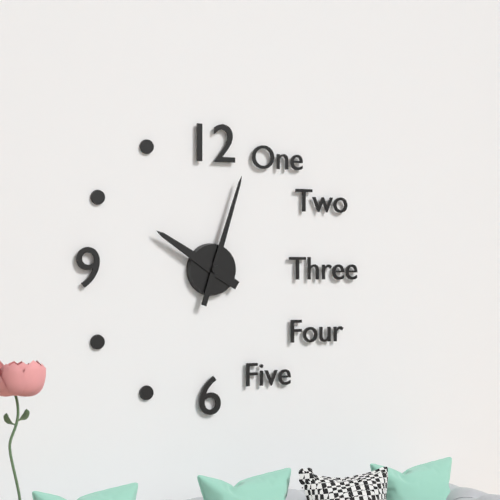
{"hour": 10, "minute": 3}
